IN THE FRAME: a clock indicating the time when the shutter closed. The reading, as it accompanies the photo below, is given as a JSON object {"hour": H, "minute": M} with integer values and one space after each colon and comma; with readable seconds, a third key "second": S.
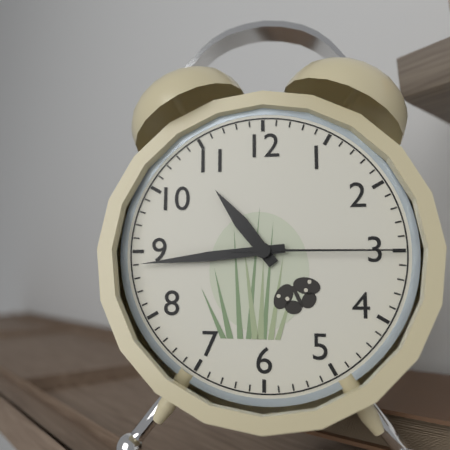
{"hour": 10, "minute": 44, "second": 15}
